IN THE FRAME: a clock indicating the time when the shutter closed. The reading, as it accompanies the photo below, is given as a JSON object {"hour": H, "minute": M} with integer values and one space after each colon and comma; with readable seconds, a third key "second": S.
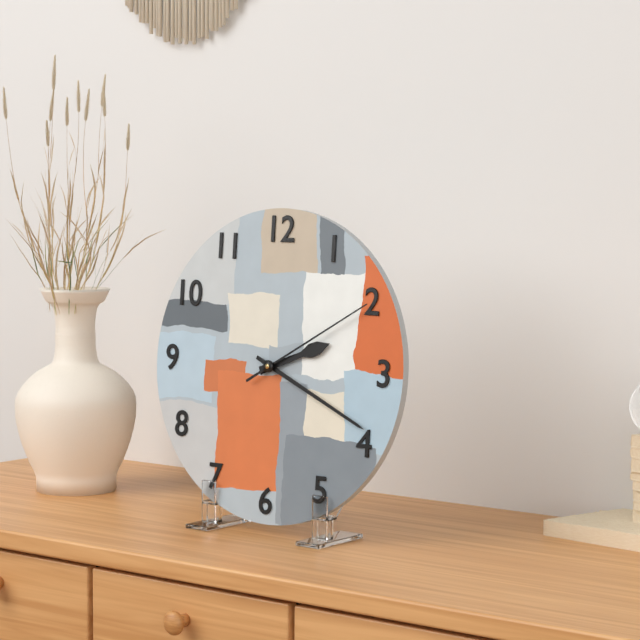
{"hour": 2, "minute": 19, "second": 10}
